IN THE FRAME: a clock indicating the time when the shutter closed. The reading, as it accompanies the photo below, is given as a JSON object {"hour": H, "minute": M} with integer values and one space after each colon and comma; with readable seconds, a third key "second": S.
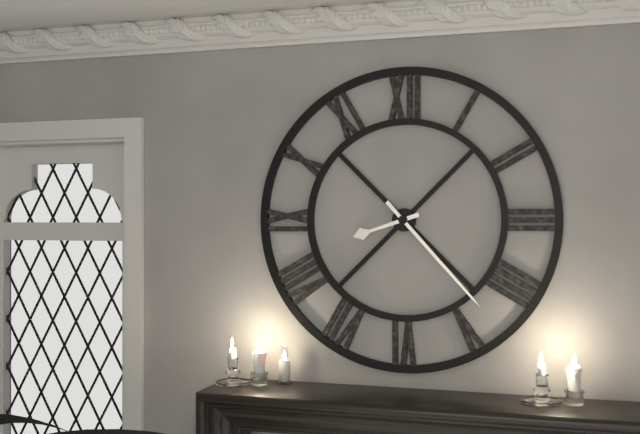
{"hour": 8, "minute": 23}
